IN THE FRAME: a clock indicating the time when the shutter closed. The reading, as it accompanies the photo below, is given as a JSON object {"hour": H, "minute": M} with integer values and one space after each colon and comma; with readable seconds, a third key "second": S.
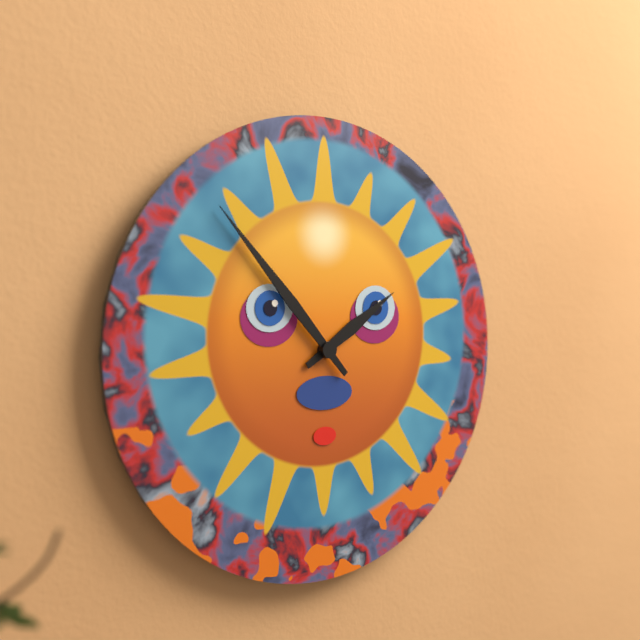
{"hour": 1, "minute": 53}
